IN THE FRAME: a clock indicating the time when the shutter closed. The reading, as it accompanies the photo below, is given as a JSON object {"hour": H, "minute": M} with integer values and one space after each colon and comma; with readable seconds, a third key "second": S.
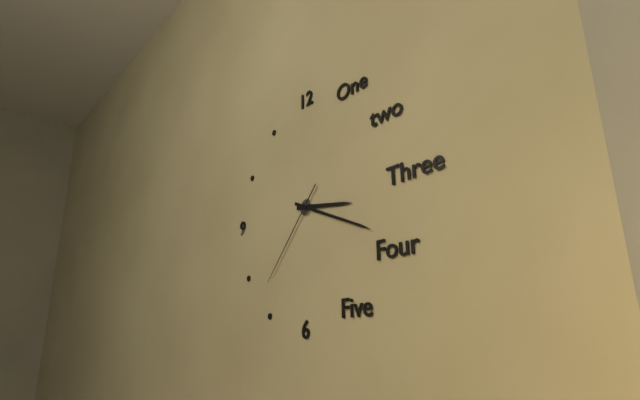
{"hour": 3, "minute": 19, "second": 37}
